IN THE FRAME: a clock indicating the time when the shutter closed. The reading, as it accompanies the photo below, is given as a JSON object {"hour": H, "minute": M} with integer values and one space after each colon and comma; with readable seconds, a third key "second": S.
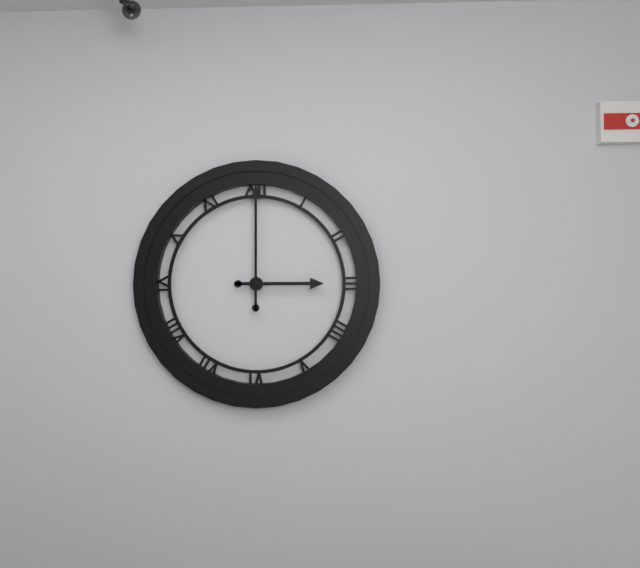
{"hour": 3, "minute": 0}
